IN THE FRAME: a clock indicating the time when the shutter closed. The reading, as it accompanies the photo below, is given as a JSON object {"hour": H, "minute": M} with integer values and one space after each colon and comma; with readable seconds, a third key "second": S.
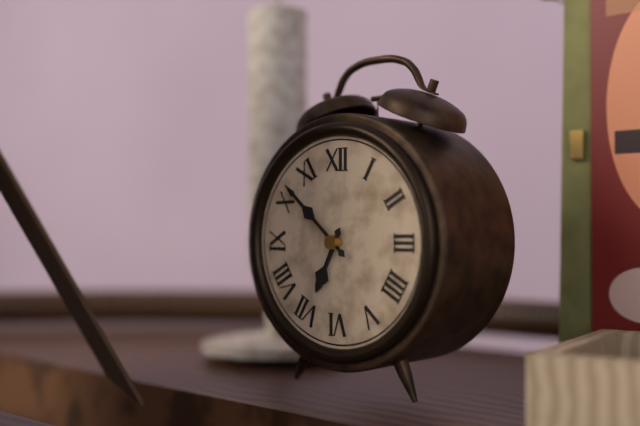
{"hour": 6, "minute": 52}
